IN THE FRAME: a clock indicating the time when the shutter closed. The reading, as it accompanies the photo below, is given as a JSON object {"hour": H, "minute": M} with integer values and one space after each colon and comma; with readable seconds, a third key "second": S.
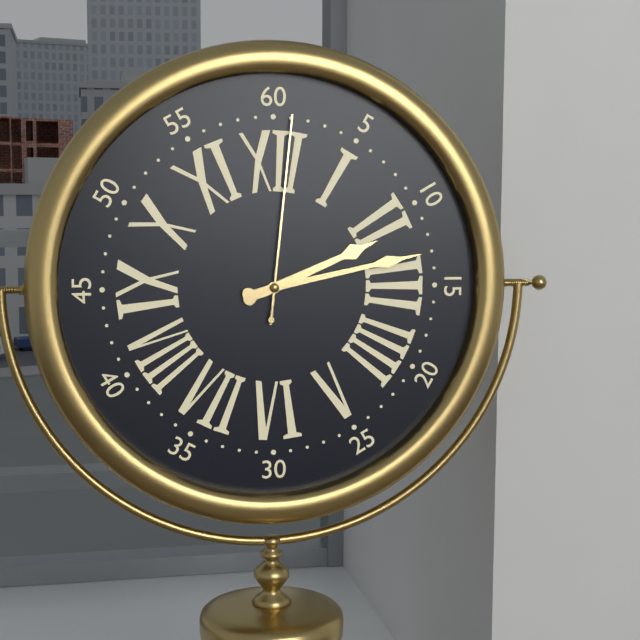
{"hour": 2, "minute": 13, "second": 1}
